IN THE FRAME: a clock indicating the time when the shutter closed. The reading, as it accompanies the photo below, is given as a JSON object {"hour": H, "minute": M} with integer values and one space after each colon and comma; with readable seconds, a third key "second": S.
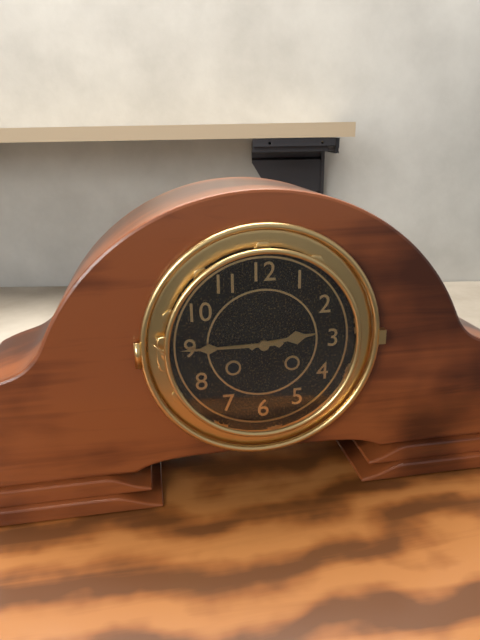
{"hour": 2, "minute": 45}
